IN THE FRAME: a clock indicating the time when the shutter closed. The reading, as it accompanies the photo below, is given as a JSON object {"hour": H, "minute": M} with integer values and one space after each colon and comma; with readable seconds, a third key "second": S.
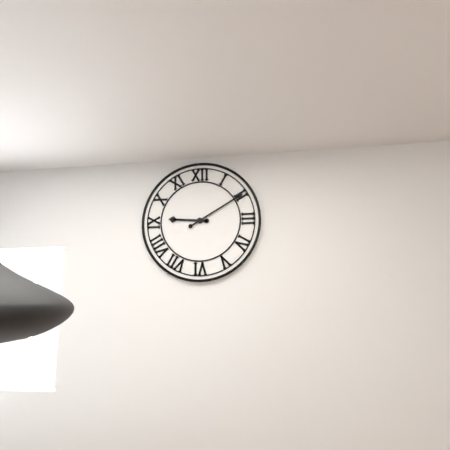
{"hour": 9, "minute": 10}
